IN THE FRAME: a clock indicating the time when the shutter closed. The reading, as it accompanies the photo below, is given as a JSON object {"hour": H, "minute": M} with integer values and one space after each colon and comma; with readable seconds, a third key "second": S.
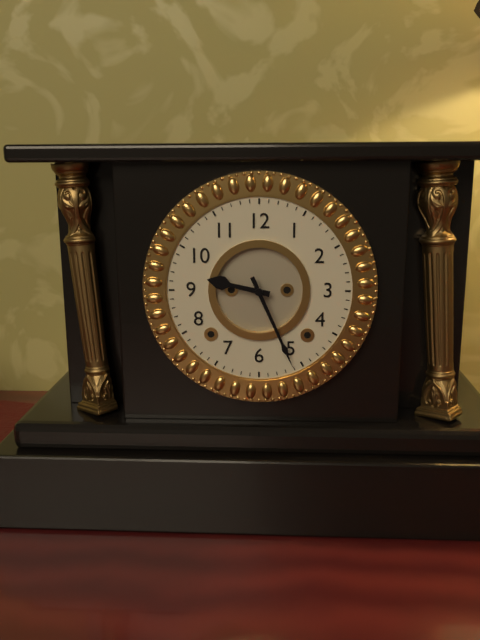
{"hour": 9, "minute": 26}
